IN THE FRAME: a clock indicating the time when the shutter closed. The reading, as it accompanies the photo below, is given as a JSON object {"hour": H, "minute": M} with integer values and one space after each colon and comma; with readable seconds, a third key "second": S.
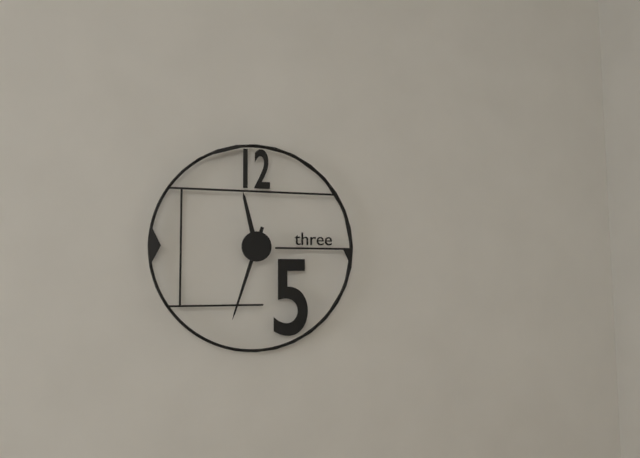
{"hour": 11, "minute": 33}
